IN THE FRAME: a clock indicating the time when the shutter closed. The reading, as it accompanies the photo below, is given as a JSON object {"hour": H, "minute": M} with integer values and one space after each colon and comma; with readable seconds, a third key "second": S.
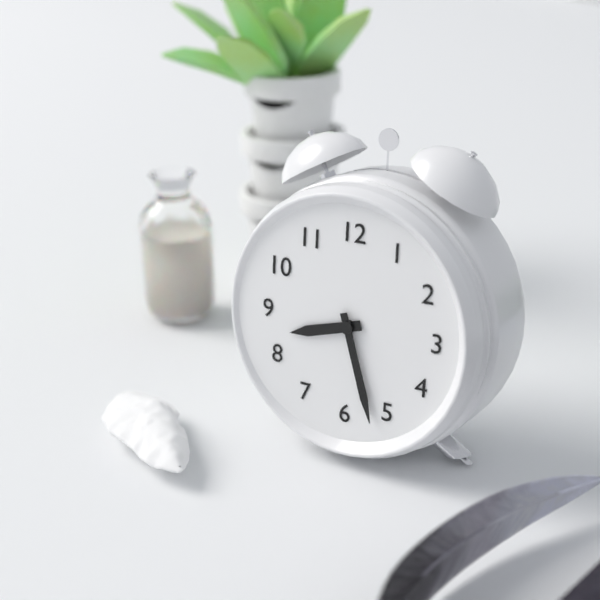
{"hour": 8, "minute": 27}
